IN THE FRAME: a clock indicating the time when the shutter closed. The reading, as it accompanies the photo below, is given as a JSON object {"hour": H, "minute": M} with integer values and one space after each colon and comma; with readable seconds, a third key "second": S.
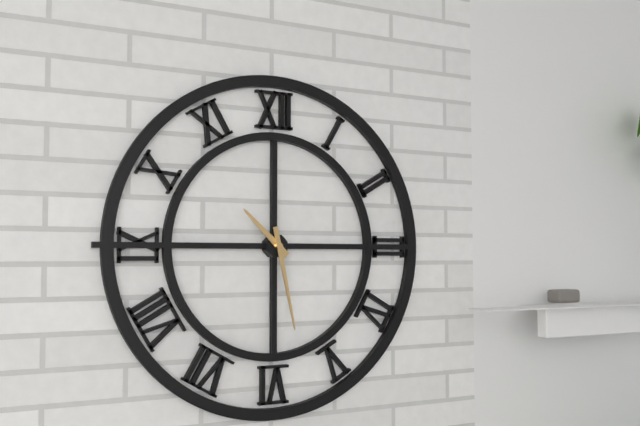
{"hour": 10, "minute": 28}
